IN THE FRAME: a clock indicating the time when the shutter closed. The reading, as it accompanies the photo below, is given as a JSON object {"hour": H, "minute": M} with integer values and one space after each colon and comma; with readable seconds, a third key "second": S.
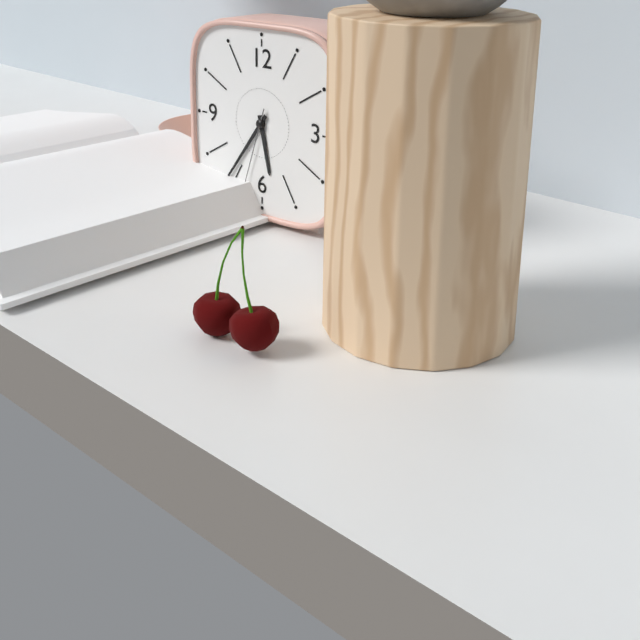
{"hour": 5, "minute": 36, "second": 33}
